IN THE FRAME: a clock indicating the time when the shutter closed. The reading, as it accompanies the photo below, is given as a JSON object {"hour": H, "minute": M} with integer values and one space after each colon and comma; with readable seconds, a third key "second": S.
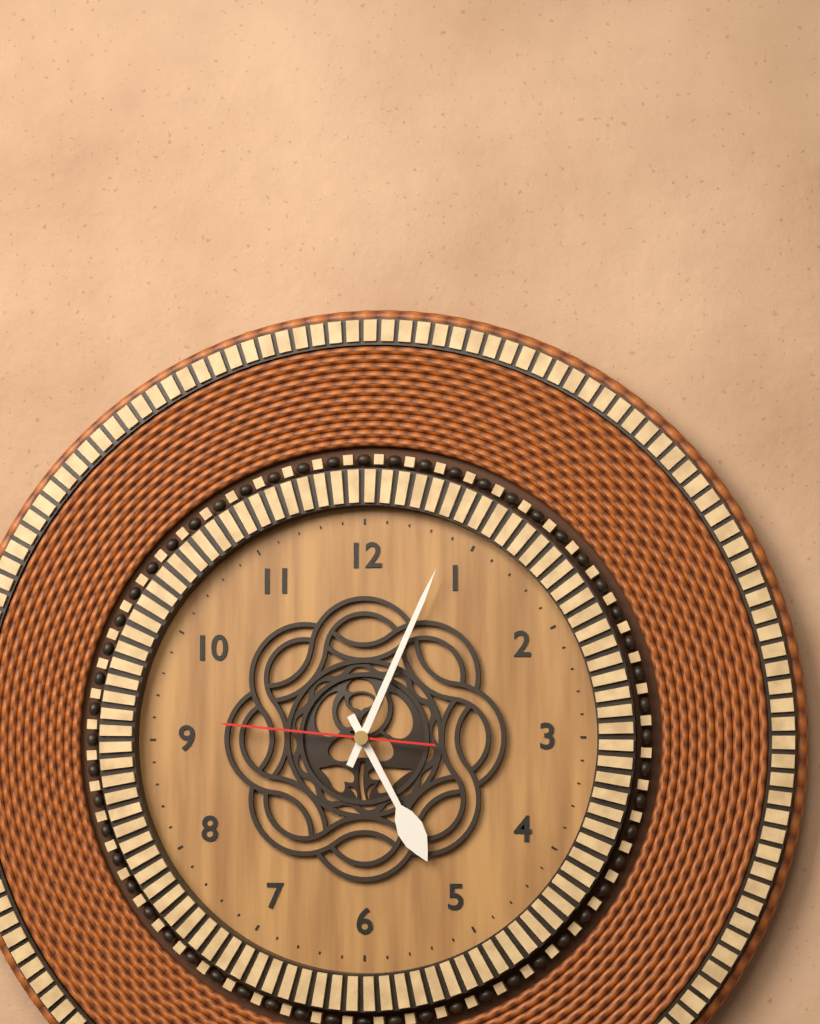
{"hour": 5, "minute": 4, "second": 46}
